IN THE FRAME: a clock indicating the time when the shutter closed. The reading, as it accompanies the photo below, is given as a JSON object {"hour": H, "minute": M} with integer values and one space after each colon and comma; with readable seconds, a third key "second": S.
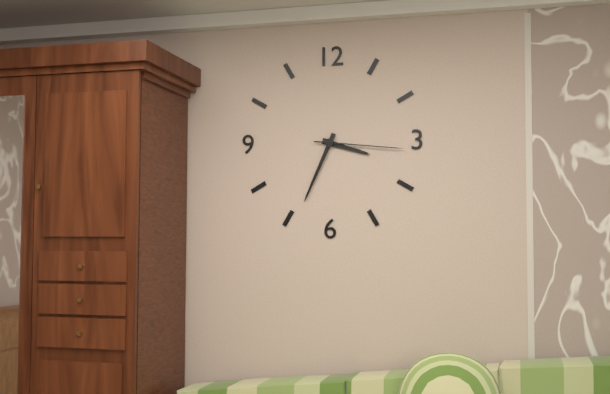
{"hour": 3, "minute": 34, "second": 16}
